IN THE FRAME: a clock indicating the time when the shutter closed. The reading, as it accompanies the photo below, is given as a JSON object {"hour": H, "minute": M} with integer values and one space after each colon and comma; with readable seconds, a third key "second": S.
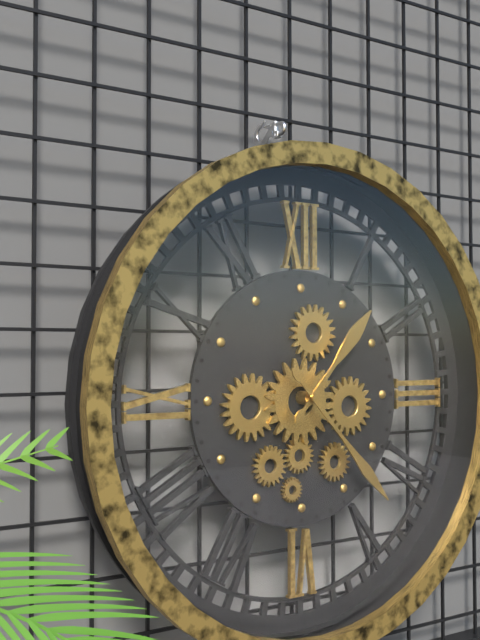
{"hour": 1, "minute": 23}
